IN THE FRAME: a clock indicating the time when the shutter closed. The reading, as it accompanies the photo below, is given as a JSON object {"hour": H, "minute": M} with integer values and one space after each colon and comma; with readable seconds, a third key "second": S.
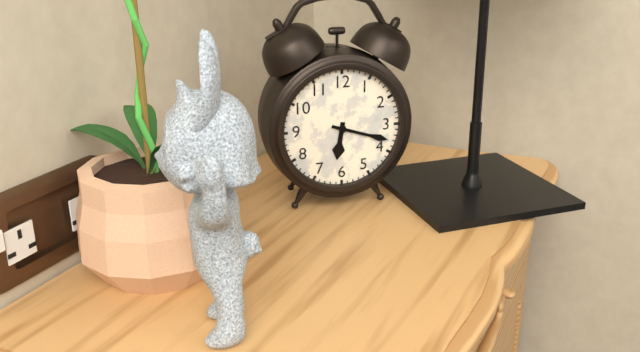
{"hour": 6, "minute": 18}
